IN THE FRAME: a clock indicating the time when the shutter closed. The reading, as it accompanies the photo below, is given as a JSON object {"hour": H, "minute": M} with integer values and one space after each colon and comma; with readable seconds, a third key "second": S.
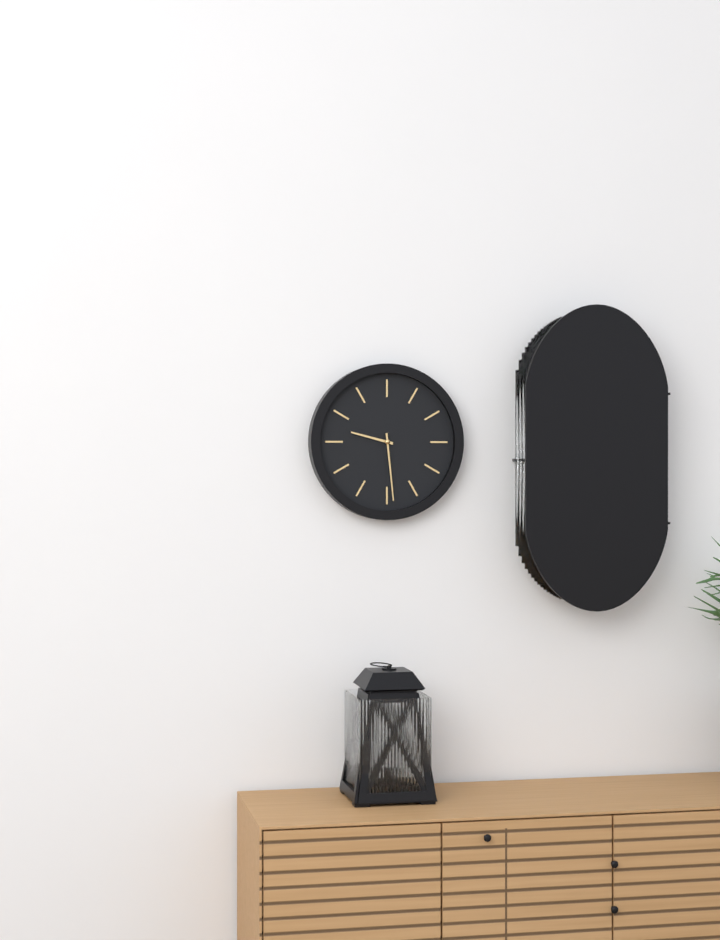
{"hour": 9, "minute": 29}
